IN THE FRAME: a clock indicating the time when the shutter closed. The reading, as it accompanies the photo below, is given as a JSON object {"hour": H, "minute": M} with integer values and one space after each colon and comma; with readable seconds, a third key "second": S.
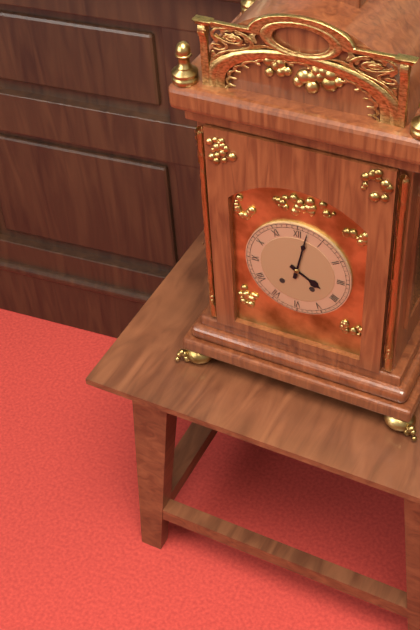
{"hour": 4, "minute": 2}
